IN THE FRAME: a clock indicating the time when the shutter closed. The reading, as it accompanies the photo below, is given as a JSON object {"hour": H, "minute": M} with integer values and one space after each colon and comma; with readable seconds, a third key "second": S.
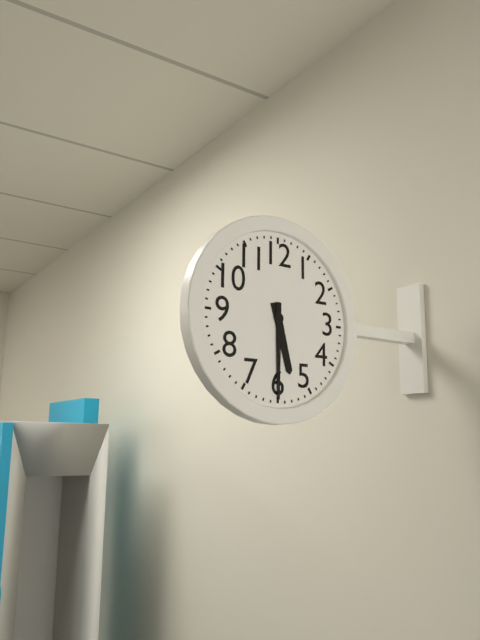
{"hour": 5, "minute": 30}
